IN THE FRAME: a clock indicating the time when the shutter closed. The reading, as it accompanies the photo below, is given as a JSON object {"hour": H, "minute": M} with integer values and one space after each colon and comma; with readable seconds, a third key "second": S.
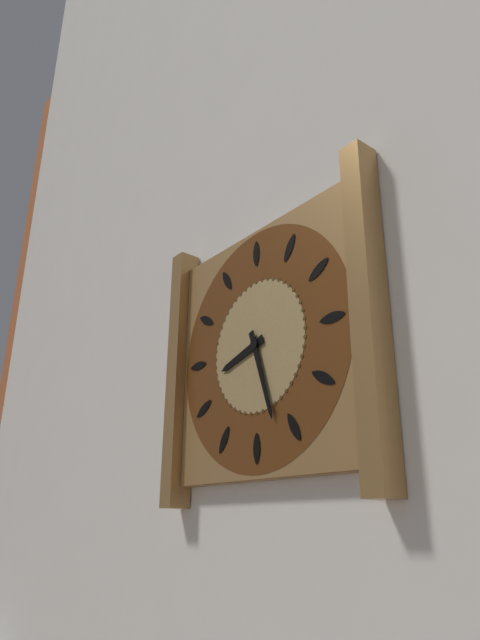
{"hour": 8, "minute": 27}
